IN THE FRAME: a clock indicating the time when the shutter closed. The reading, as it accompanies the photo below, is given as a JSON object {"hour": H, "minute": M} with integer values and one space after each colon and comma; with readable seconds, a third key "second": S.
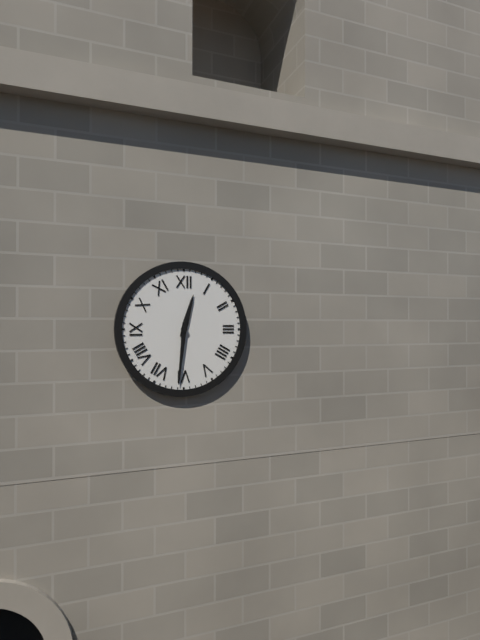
{"hour": 12, "minute": 31}
